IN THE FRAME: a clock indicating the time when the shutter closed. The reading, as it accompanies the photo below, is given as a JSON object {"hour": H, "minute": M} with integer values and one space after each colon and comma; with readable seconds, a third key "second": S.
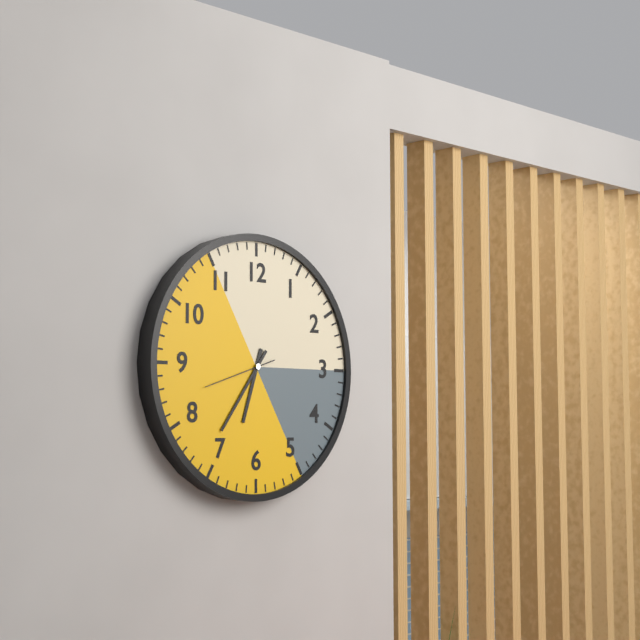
{"hour": 6, "minute": 36, "second": 42}
